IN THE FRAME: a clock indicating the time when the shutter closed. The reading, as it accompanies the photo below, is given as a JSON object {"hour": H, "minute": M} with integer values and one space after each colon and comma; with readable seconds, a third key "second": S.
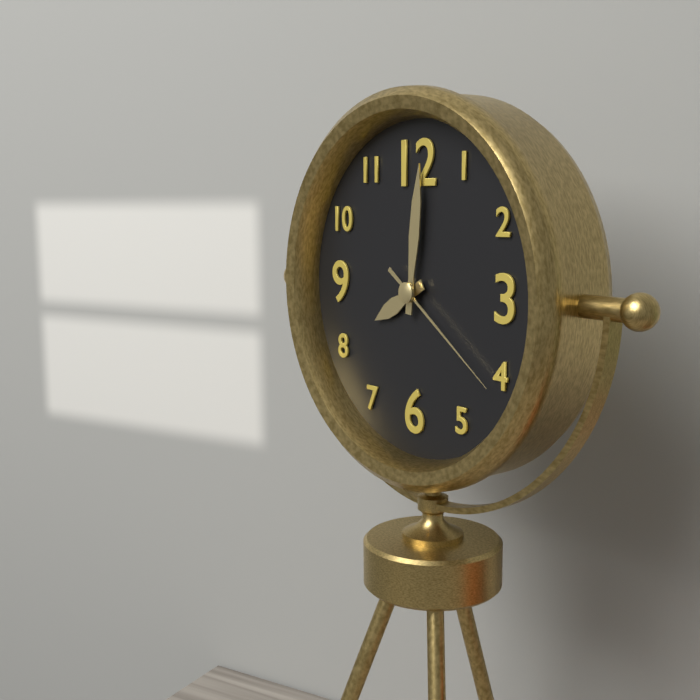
{"hour": 8, "minute": 1, "second": 21}
